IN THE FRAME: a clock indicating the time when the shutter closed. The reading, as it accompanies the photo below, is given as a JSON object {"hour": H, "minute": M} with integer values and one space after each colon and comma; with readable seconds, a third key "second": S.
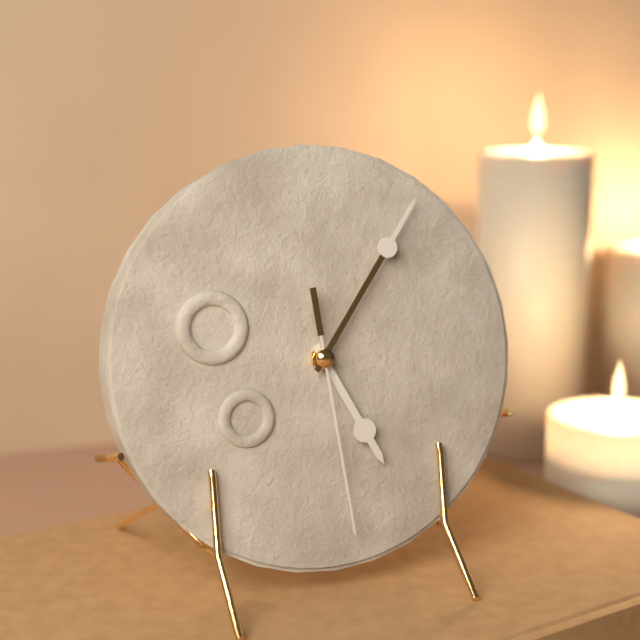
{"hour": 5, "minute": 6, "second": 29}
